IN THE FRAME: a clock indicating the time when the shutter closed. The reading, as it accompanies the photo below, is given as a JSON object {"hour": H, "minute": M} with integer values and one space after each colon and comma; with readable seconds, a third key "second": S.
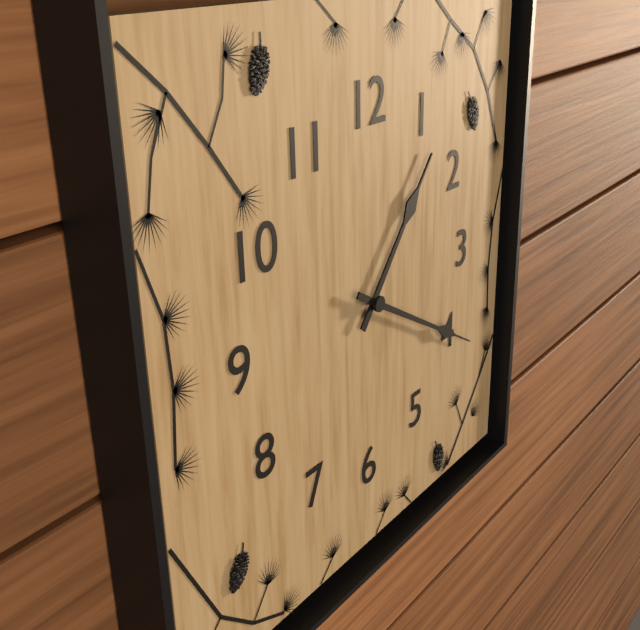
{"hour": 1, "minute": 20}
